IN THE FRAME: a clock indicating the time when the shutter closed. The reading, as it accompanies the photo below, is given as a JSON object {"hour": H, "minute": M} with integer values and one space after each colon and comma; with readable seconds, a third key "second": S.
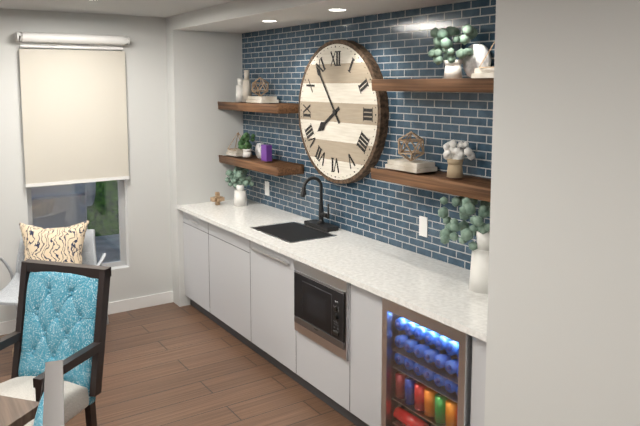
{"hour": 7, "minute": 54}
